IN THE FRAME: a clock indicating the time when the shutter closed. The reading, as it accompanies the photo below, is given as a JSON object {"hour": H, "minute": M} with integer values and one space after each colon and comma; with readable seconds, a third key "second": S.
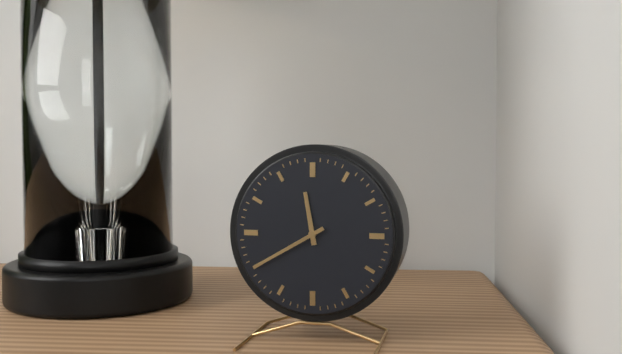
{"hour": 11, "minute": 40}
